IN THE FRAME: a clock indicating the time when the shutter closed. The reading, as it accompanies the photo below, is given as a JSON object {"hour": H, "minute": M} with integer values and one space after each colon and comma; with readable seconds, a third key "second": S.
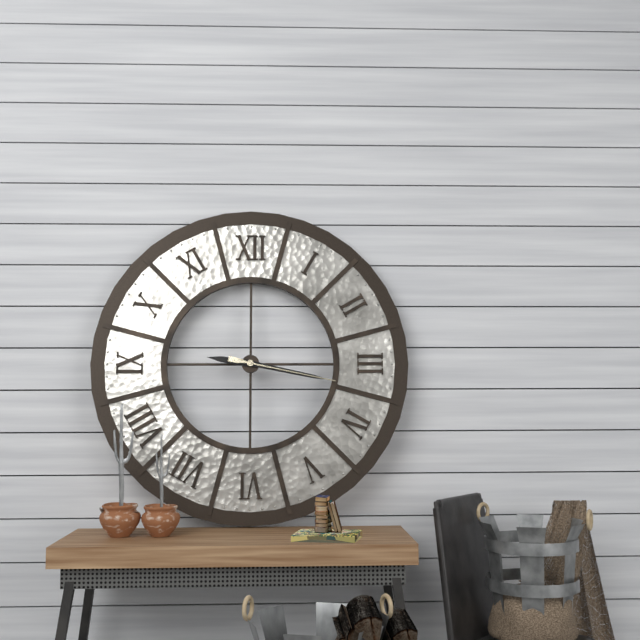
{"hour": 9, "minute": 17, "second": 17}
